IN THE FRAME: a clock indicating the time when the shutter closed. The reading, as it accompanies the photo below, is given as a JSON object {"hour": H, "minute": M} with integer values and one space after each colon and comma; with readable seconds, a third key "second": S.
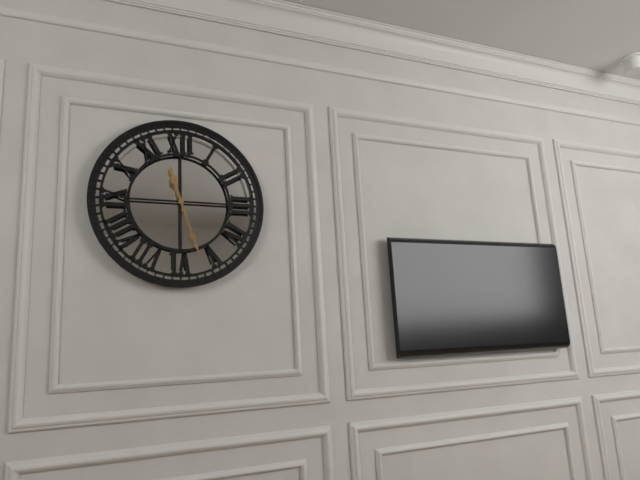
{"hour": 11, "minute": 27}
